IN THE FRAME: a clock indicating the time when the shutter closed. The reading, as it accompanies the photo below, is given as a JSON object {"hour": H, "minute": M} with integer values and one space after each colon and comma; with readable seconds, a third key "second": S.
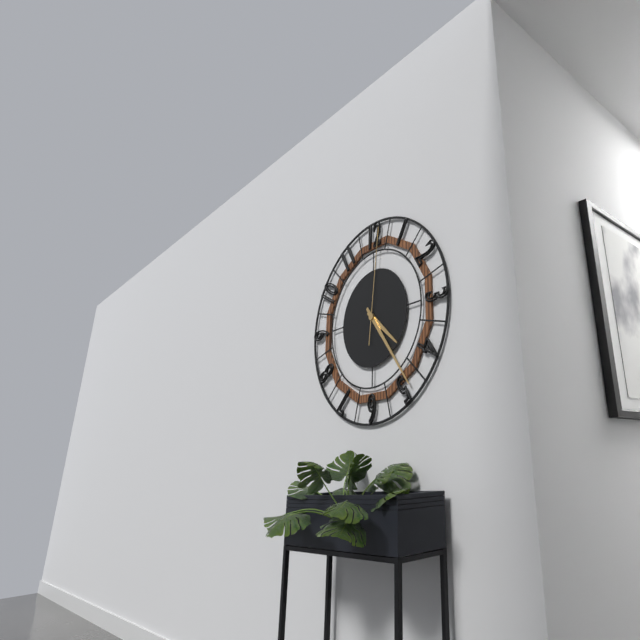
{"hour": 4, "minute": 24, "second": 1}
